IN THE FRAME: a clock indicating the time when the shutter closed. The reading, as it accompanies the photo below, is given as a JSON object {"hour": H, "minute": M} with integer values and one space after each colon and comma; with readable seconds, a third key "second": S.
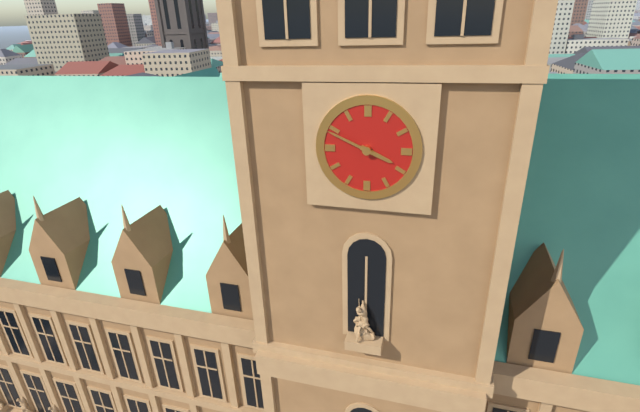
{"hour": 3, "minute": 49}
